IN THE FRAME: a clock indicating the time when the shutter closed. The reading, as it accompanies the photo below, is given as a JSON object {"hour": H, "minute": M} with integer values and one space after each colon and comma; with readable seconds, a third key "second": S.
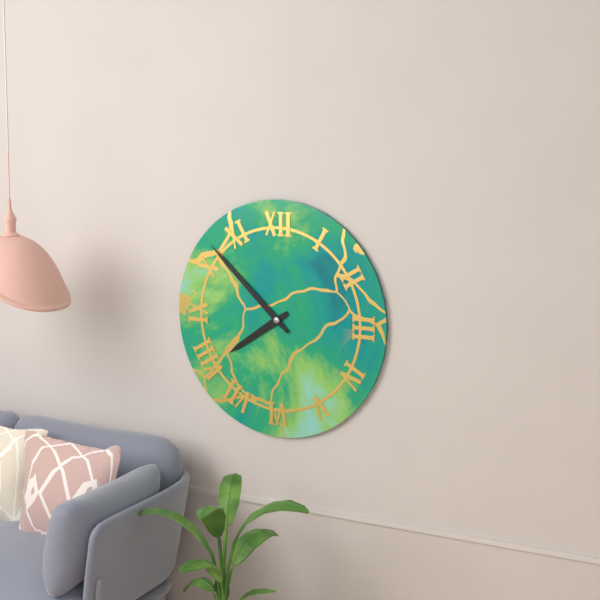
{"hour": 7, "minute": 52}
